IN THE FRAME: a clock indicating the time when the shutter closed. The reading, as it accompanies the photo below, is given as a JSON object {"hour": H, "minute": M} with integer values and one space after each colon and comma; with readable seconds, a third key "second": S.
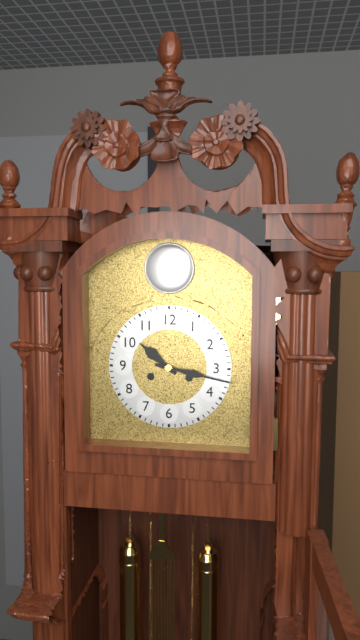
{"hour": 10, "minute": 17}
